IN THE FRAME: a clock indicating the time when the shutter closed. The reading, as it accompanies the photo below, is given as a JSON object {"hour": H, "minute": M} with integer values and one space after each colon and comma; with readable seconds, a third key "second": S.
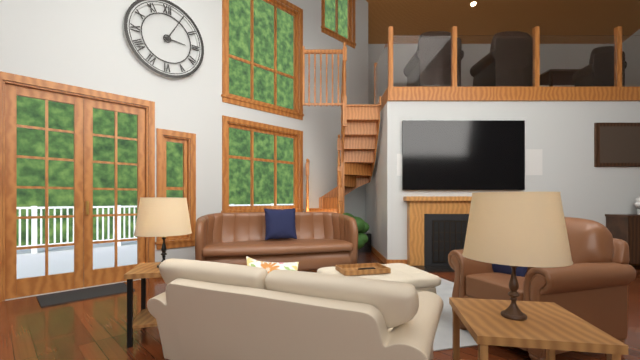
{"hour": 3, "minute": 5}
